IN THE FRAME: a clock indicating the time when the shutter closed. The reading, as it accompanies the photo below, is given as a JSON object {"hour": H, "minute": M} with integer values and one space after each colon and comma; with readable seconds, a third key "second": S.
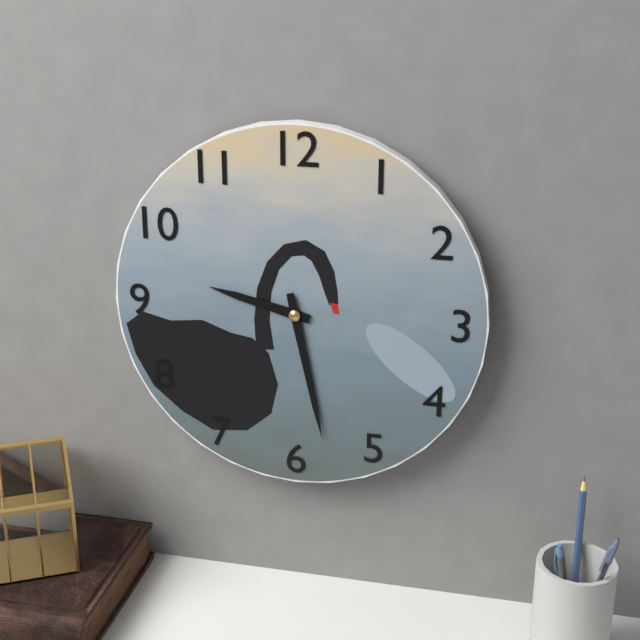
{"hour": 9, "minute": 28}
